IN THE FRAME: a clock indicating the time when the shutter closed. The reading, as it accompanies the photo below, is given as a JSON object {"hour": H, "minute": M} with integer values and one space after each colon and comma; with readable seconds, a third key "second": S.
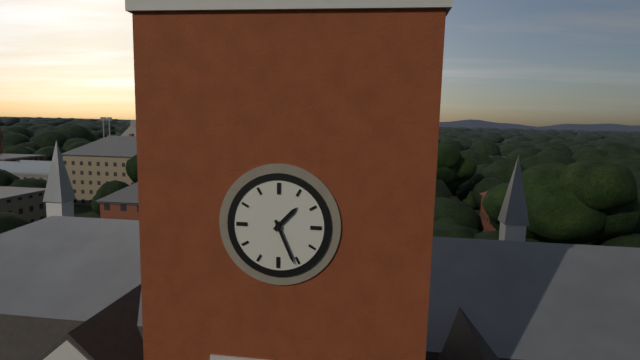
{"hour": 1, "minute": 26}
